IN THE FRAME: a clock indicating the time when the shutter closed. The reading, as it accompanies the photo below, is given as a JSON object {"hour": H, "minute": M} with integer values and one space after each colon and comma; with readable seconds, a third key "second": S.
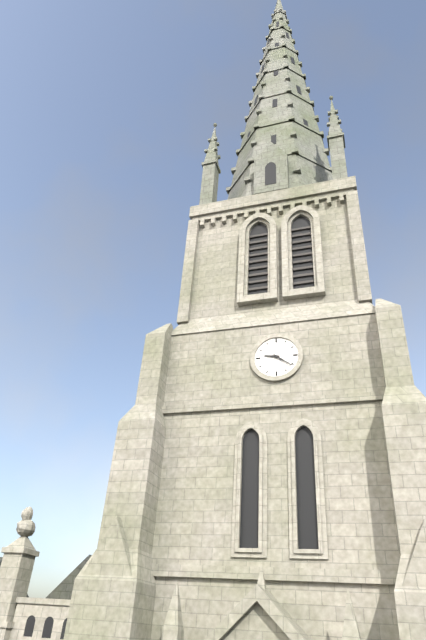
{"hour": 9, "minute": 21}
